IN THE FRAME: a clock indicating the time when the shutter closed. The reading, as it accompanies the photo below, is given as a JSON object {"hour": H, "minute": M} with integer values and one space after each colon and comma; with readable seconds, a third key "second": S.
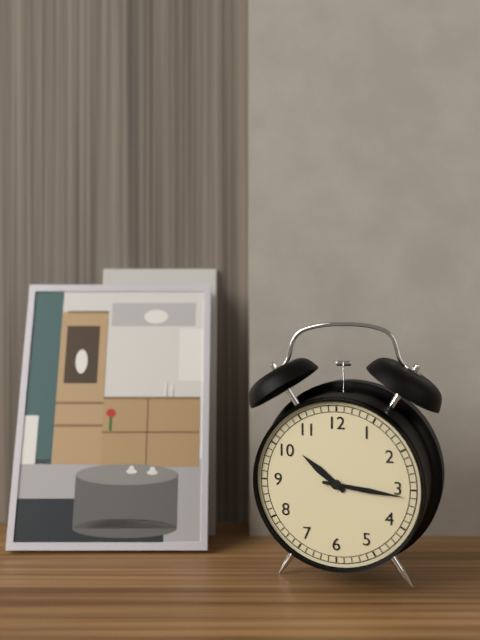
{"hour": 10, "minute": 16}
